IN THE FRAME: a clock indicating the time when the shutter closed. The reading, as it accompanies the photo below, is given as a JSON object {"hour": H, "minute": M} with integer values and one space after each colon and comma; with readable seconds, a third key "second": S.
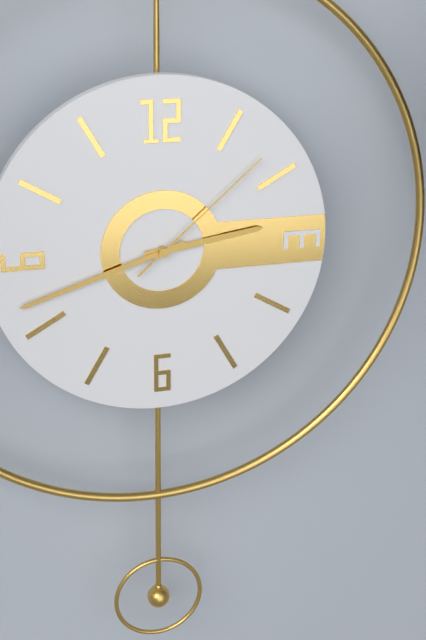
{"hour": 2, "minute": 42, "second": 8}
